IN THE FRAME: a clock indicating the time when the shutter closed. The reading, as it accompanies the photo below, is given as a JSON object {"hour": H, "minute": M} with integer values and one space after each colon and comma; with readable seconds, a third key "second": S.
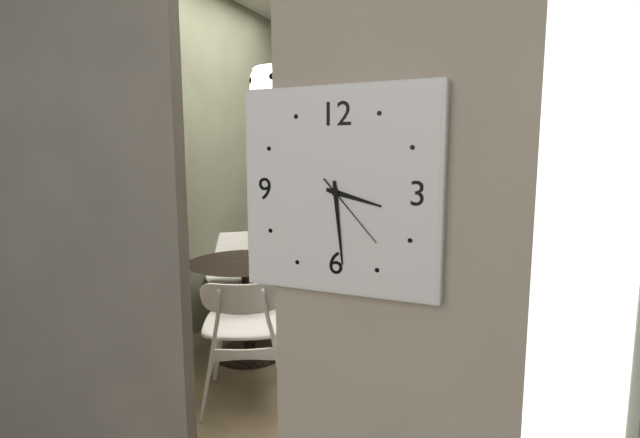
{"hour": 3, "minute": 29, "second": 23}
